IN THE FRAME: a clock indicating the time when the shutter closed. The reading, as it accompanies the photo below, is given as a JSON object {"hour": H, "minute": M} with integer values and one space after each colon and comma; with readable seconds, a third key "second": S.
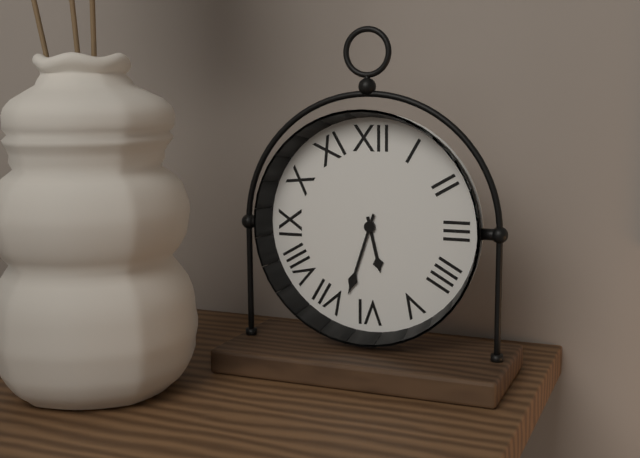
{"hour": 5, "minute": 33}
